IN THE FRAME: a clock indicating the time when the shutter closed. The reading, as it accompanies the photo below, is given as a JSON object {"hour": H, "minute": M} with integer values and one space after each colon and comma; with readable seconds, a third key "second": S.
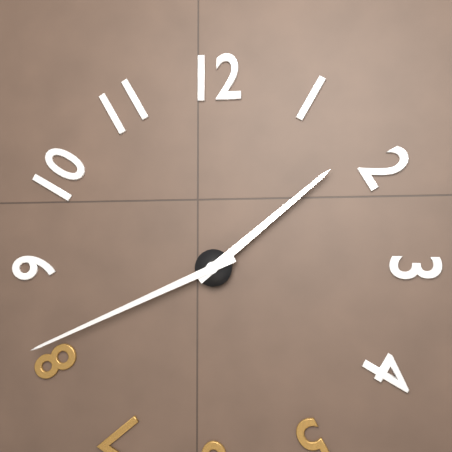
{"hour": 1, "minute": 41}
